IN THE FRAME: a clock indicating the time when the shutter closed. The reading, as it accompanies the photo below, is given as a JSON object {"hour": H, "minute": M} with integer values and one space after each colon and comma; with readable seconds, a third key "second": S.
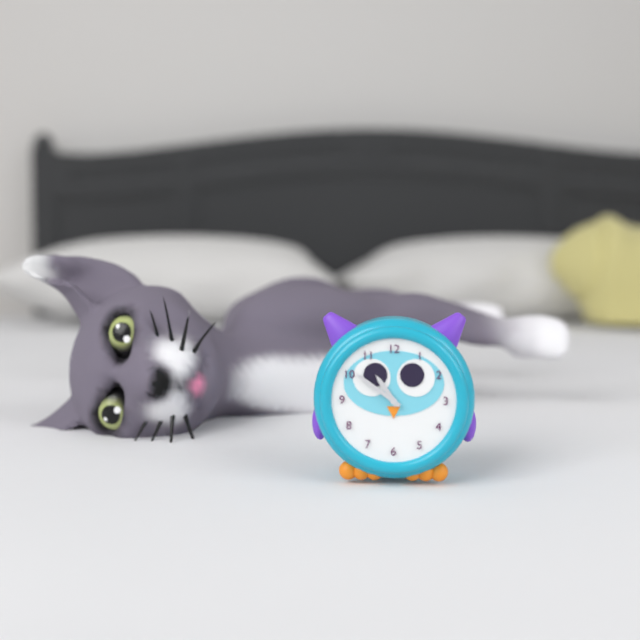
{"hour": 10, "minute": 51}
